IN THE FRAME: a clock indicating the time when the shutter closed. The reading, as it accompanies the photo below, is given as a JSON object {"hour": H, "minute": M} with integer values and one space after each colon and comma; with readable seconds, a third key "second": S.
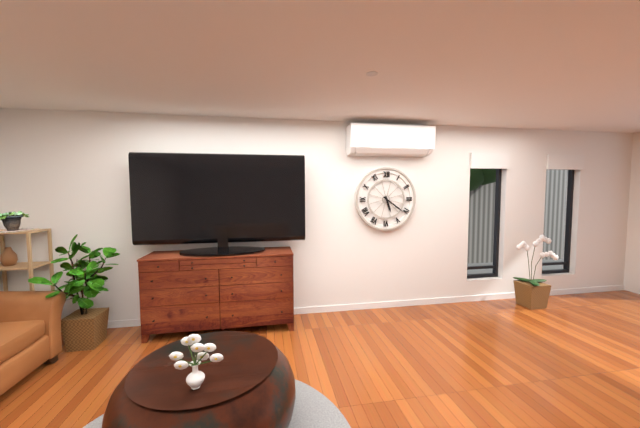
{"hour": 5, "minute": 21}
